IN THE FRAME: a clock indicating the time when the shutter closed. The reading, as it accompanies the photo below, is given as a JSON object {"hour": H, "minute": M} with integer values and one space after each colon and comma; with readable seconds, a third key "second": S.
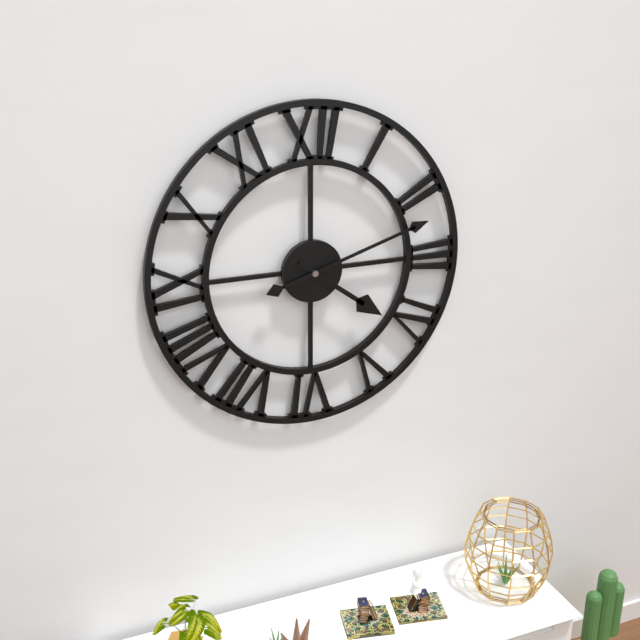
{"hour": 4, "minute": 12}
